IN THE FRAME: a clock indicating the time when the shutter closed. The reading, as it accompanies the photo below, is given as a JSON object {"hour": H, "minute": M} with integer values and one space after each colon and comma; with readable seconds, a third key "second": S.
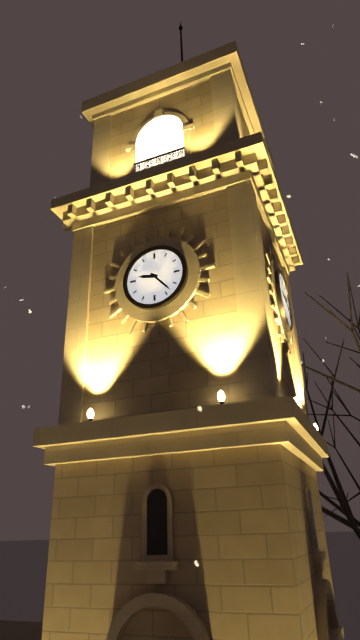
{"hour": 9, "minute": 23}
